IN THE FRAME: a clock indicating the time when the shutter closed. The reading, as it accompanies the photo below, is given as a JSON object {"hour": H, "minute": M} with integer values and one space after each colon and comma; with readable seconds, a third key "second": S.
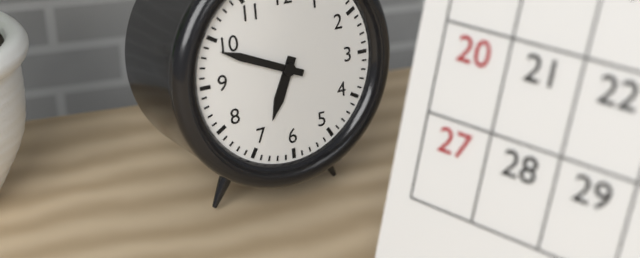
{"hour": 6, "minute": 49}
